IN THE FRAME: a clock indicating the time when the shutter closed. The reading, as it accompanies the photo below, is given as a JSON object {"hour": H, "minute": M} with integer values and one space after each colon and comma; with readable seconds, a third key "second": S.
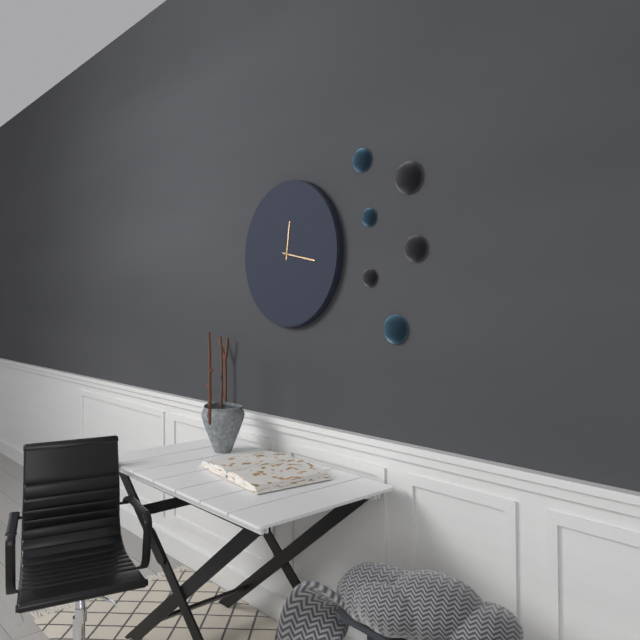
{"hour": 12, "minute": 17}
